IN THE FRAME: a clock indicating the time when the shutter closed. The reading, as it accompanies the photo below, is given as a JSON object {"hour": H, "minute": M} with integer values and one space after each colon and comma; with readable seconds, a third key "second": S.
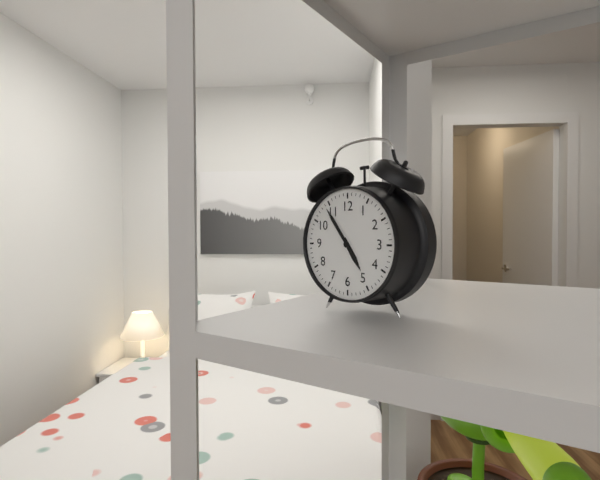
{"hour": 4, "minute": 54}
